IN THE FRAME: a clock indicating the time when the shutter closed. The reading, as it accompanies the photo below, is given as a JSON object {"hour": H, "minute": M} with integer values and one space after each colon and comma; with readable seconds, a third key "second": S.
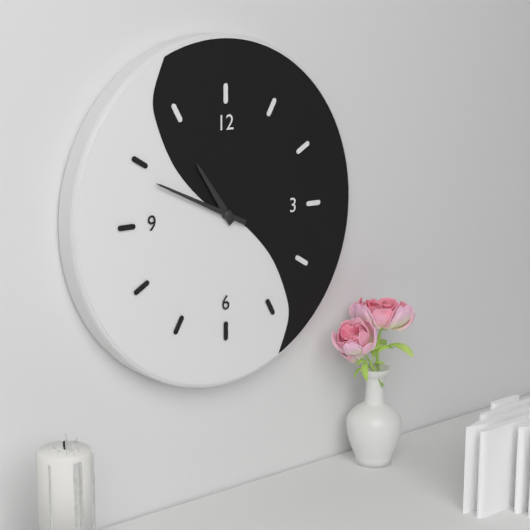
{"hour": 10, "minute": 49}
